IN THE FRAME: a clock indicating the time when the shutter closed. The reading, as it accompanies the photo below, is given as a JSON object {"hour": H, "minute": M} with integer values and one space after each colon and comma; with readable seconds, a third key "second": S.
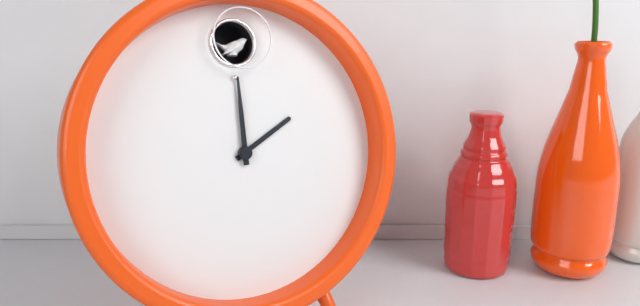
{"hour": 2, "minute": 0}
